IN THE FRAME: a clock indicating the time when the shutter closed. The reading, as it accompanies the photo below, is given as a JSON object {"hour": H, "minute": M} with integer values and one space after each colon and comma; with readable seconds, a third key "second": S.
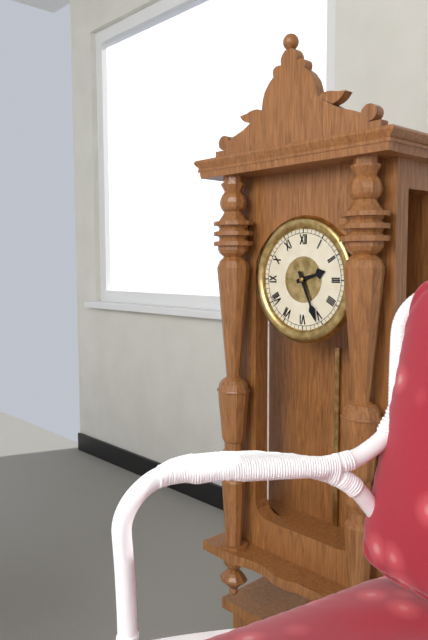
{"hour": 2, "minute": 26}
